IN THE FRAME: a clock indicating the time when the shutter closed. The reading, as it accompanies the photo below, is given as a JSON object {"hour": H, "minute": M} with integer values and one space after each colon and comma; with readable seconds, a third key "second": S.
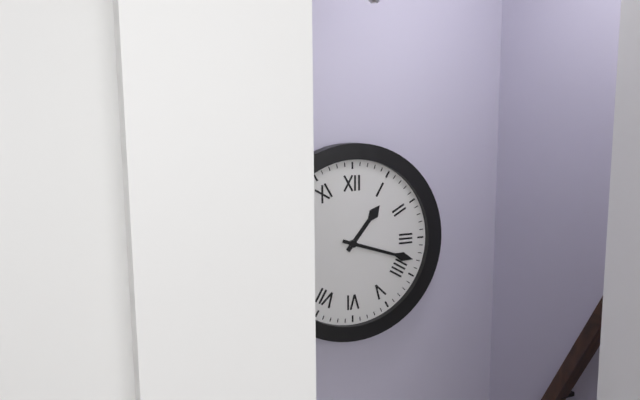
{"hour": 1, "minute": 18}
